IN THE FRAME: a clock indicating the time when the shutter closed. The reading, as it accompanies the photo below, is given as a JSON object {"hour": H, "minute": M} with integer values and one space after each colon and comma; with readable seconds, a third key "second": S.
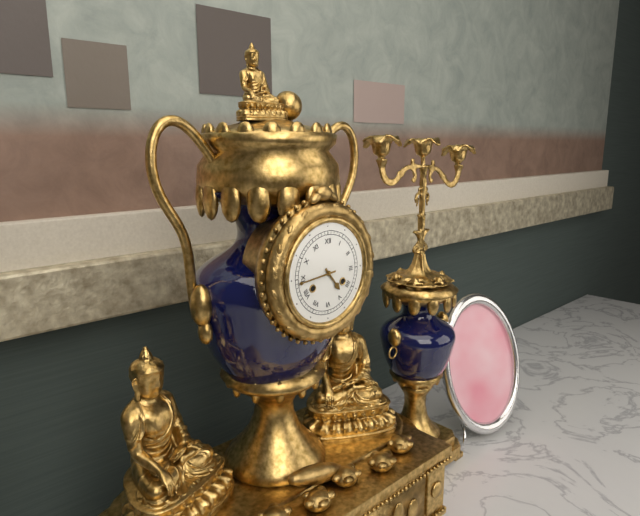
{"hour": 4, "minute": 44}
